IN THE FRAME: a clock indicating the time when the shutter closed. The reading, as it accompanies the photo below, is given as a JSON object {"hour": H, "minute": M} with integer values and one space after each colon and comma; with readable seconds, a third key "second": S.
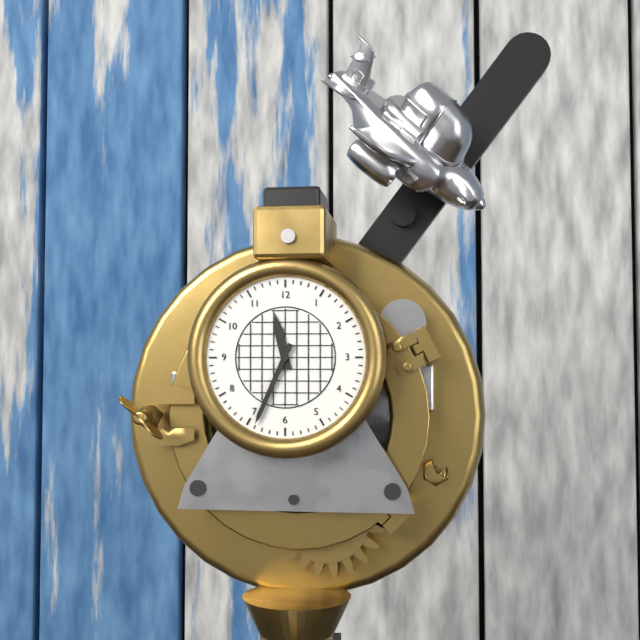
{"hour": 11, "minute": 34}
